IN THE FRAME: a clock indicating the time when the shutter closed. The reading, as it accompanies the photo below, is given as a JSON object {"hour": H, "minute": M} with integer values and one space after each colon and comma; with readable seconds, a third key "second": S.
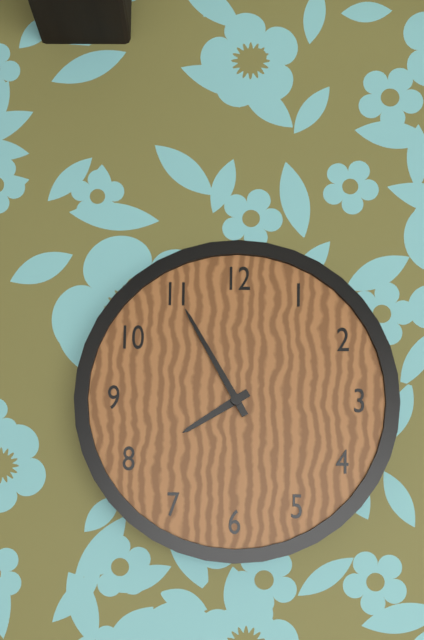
{"hour": 7, "minute": 55}
